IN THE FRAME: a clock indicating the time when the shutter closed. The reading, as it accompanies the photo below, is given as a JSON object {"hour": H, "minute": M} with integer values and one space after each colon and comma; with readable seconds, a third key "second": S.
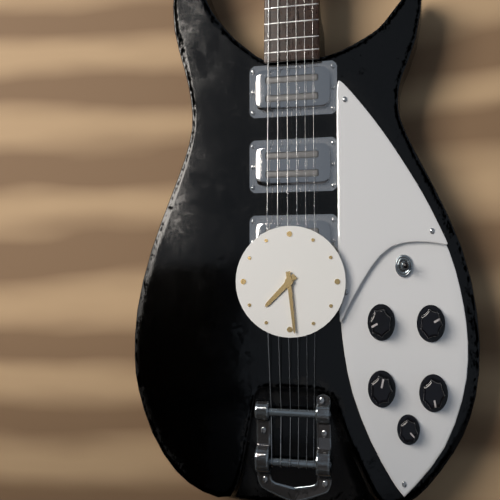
{"hour": 7, "minute": 29}
